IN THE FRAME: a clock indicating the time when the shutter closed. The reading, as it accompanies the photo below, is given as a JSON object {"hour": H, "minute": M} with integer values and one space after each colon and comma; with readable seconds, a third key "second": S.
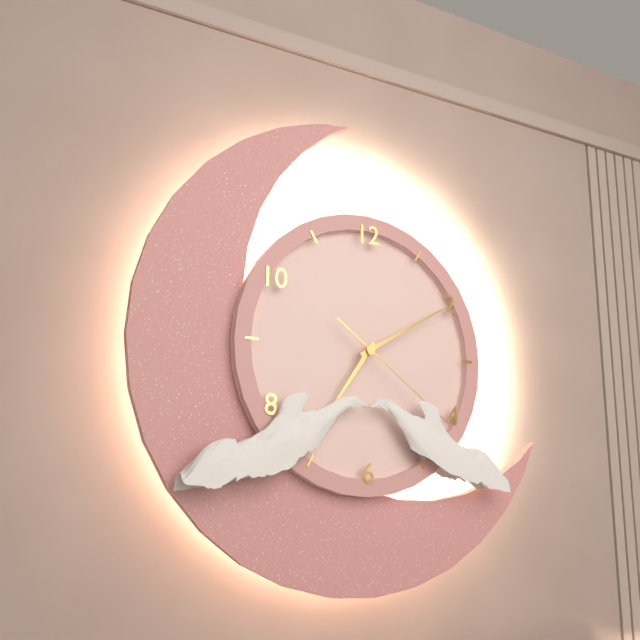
{"hour": 7, "minute": 10, "second": 21}
